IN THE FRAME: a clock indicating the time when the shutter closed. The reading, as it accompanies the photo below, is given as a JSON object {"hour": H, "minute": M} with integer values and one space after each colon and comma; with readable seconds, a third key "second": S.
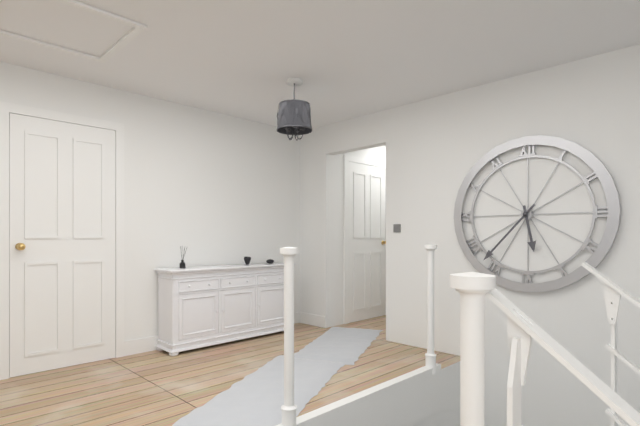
{"hour": 5, "minute": 37}
